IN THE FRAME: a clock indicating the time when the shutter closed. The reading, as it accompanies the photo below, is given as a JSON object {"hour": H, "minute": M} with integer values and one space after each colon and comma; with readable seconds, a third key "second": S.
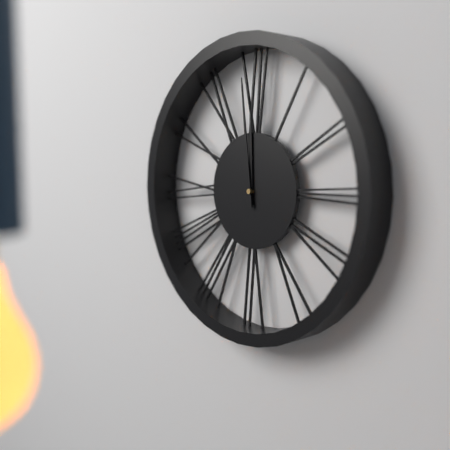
{"hour": 11, "minute": 59}
